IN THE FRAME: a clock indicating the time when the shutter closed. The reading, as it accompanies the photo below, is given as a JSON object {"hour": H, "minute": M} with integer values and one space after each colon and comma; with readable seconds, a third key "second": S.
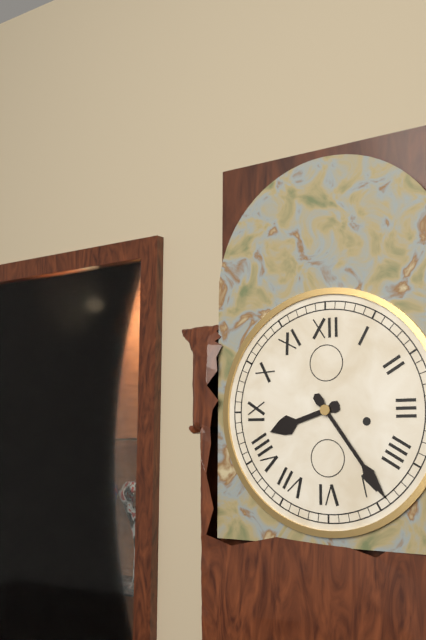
{"hour": 8, "minute": 24}
